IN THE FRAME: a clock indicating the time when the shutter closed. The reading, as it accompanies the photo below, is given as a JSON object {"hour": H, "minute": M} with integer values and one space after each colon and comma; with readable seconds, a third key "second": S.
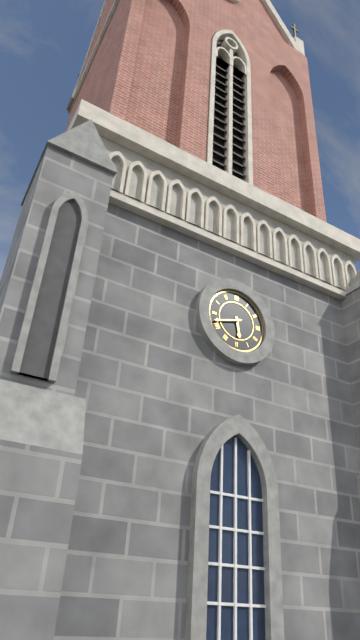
{"hour": 5, "minute": 42}
